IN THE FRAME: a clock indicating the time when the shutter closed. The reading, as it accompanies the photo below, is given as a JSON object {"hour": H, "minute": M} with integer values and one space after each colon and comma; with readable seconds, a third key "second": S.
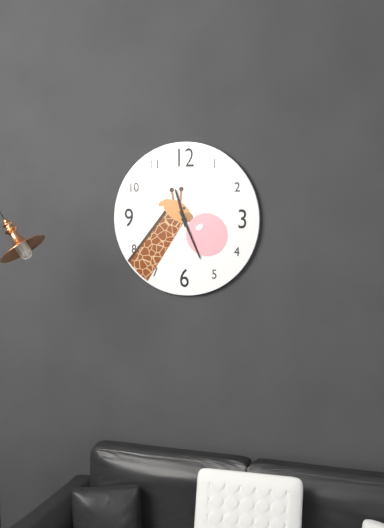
{"hour": 11, "minute": 26}
